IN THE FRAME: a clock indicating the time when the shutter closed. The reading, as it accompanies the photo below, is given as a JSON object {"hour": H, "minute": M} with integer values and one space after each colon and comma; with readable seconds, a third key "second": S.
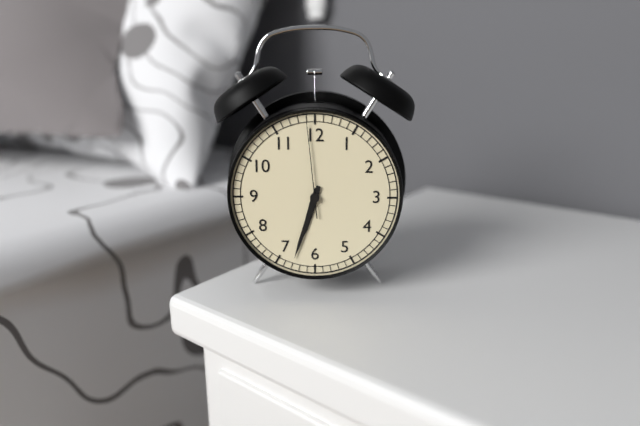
{"hour": 6, "minute": 33, "second": 59}
